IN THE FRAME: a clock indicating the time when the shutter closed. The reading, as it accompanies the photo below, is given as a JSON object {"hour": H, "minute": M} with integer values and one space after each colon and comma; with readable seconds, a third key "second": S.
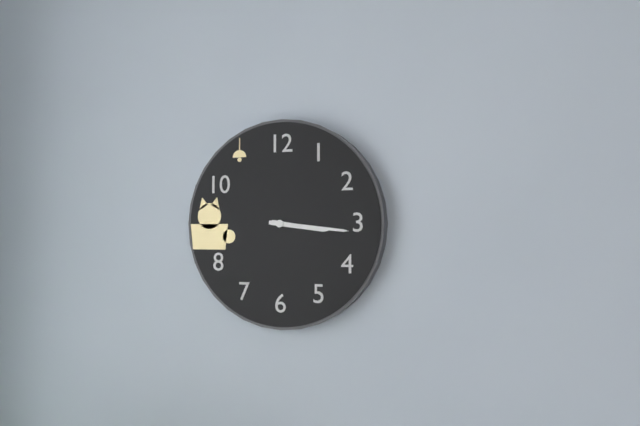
{"hour": 3, "minute": 16}
